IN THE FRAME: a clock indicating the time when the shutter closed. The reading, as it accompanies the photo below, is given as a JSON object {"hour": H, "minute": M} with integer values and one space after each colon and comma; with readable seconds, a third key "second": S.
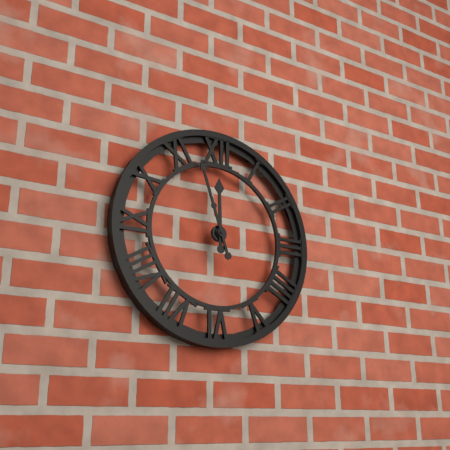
{"hour": 11, "minute": 57}
